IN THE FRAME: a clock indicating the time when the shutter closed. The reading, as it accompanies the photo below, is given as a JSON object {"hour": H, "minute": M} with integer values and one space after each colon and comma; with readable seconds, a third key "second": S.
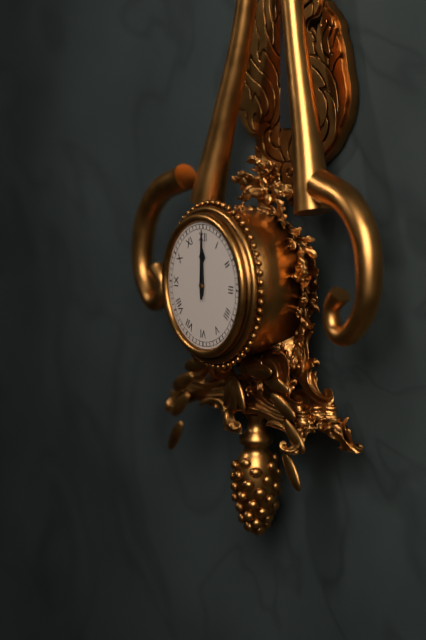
{"hour": 12, "minute": 0}
